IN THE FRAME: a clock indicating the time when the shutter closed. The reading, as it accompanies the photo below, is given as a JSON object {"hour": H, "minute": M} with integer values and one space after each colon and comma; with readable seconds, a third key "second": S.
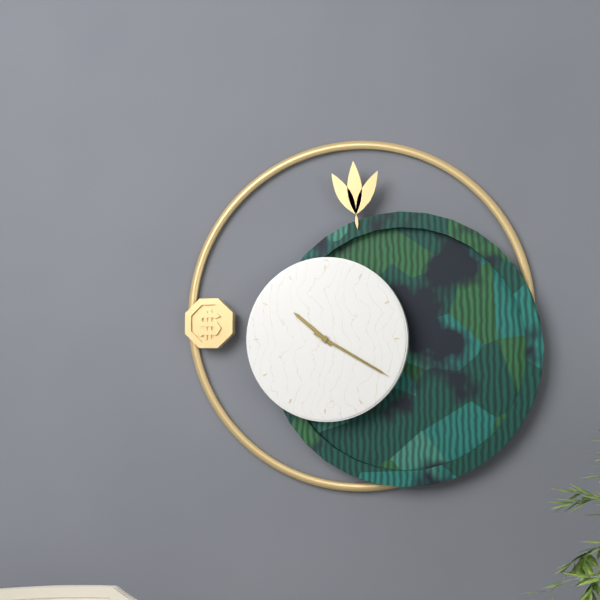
{"hour": 10, "minute": 20}
